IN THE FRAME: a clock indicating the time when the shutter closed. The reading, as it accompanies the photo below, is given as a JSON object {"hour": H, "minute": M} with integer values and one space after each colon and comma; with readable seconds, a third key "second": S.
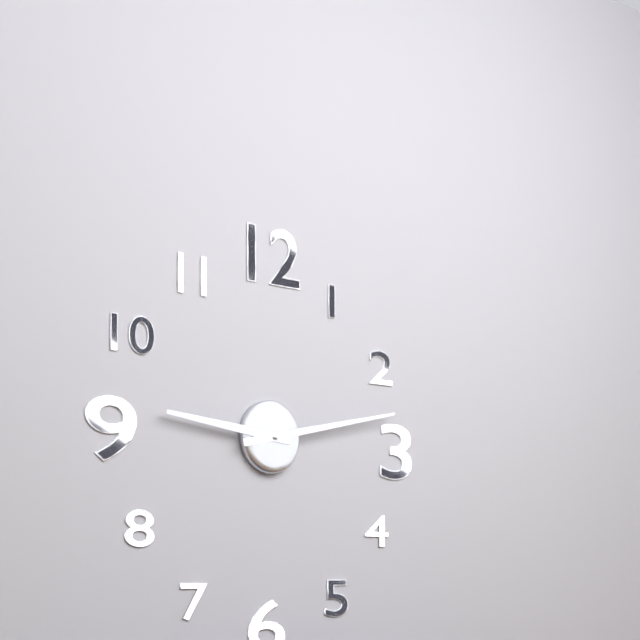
{"hour": 9, "minute": 13}
